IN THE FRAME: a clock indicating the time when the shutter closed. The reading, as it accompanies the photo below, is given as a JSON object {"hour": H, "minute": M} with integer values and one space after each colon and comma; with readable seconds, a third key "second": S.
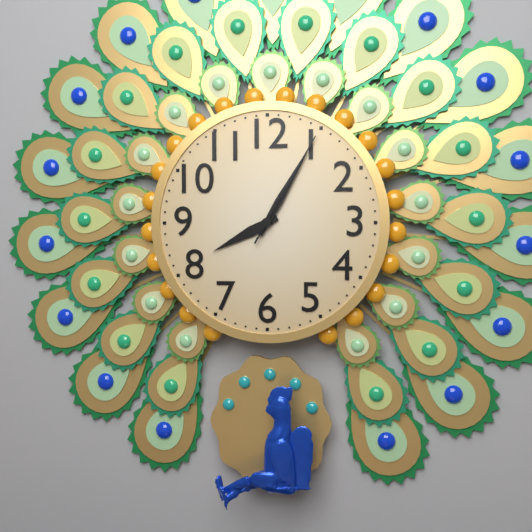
{"hour": 8, "minute": 5, "second": 5}
